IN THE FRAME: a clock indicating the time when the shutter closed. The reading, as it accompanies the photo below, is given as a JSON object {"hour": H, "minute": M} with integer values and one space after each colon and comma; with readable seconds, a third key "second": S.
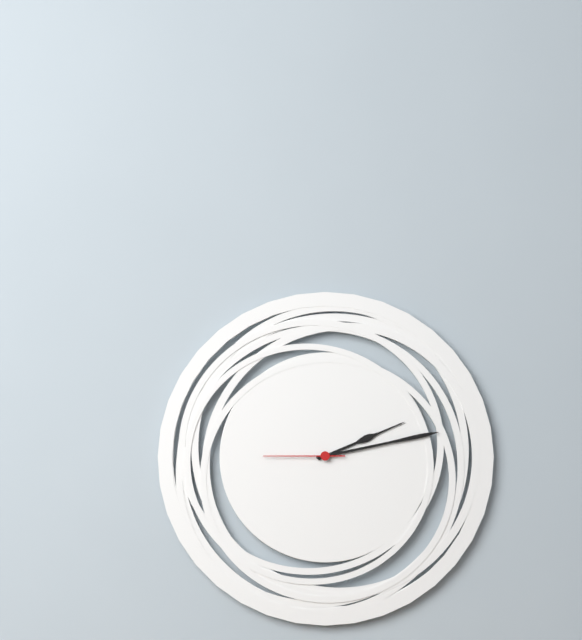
{"hour": 2, "minute": 13, "second": 45}
